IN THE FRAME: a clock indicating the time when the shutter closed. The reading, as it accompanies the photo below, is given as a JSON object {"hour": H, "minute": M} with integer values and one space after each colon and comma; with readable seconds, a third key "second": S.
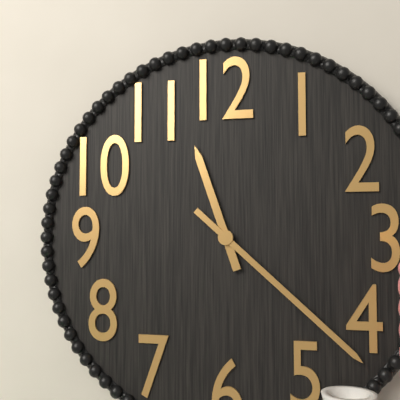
{"hour": 11, "minute": 22}
